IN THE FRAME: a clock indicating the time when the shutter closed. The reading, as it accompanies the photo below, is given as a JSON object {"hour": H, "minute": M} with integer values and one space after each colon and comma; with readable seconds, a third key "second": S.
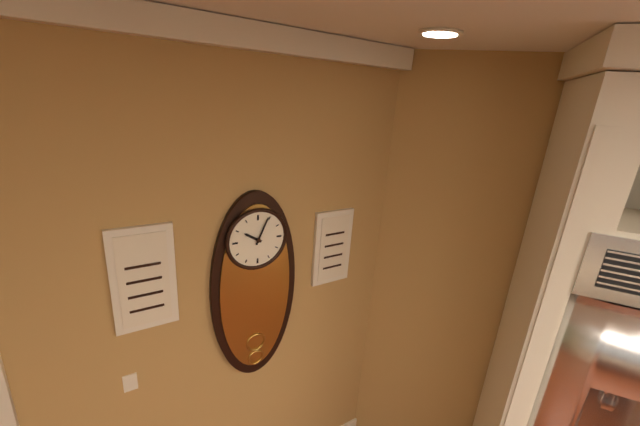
{"hour": 10, "minute": 4}
